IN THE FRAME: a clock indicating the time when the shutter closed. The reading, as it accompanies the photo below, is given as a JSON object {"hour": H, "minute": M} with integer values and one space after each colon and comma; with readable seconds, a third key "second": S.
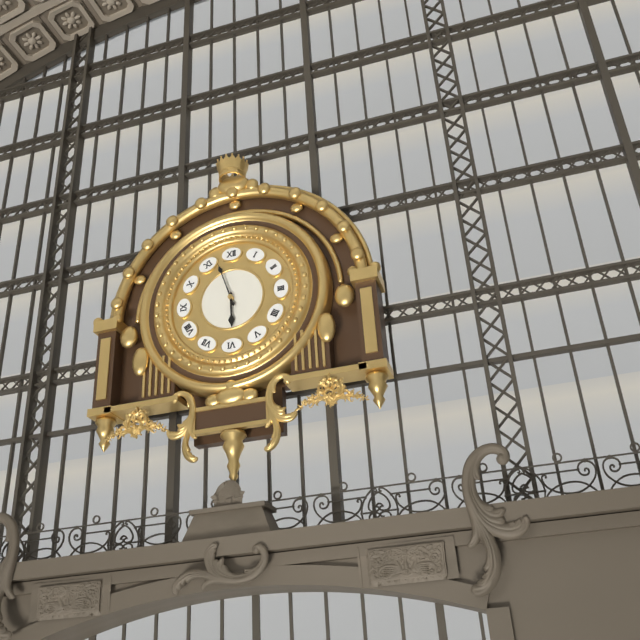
{"hour": 5, "minute": 57}
